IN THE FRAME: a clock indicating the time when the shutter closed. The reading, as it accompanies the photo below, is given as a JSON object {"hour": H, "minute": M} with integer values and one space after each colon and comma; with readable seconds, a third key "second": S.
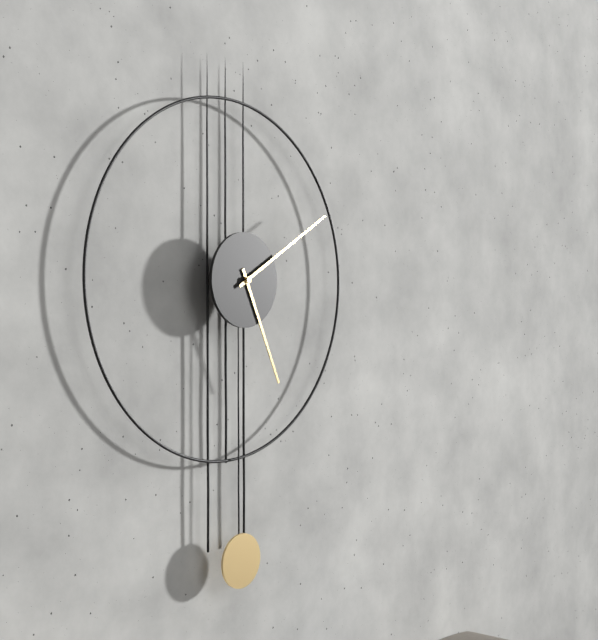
{"hour": 5, "minute": 10}
